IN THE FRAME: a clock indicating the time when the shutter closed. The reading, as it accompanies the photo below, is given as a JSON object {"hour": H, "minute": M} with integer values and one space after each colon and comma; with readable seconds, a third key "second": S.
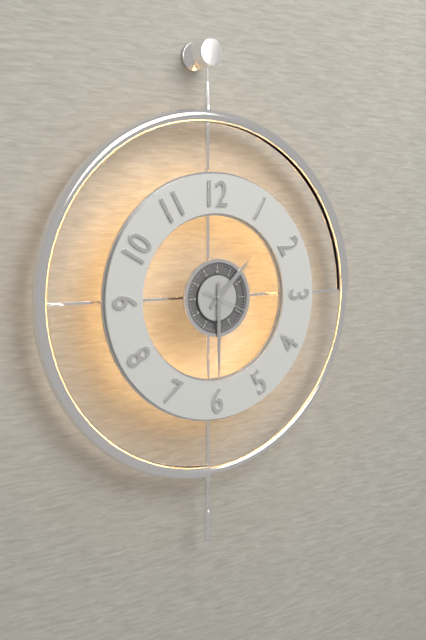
{"hour": 1, "minute": 30, "second": 19}
